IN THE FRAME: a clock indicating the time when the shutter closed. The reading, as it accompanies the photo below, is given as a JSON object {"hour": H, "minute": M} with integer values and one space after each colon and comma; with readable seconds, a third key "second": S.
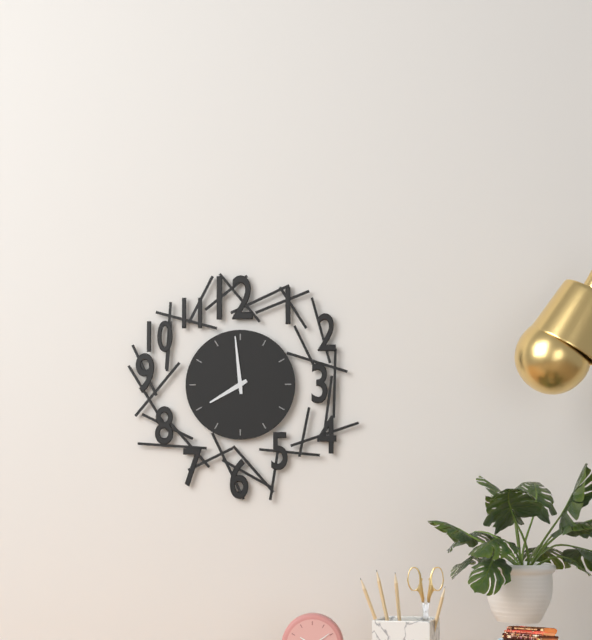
{"hour": 7, "minute": 59}
